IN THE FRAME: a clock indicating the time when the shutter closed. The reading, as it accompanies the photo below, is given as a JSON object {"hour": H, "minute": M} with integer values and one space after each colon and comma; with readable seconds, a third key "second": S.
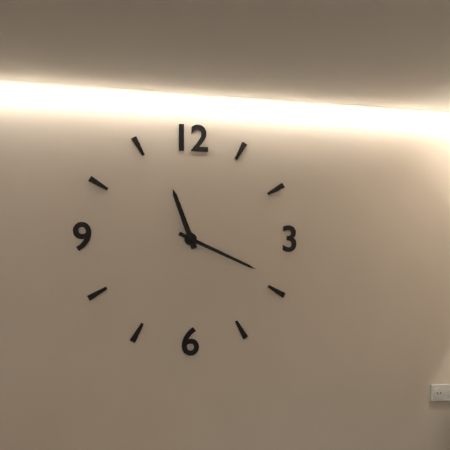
{"hour": 11, "minute": 19}
